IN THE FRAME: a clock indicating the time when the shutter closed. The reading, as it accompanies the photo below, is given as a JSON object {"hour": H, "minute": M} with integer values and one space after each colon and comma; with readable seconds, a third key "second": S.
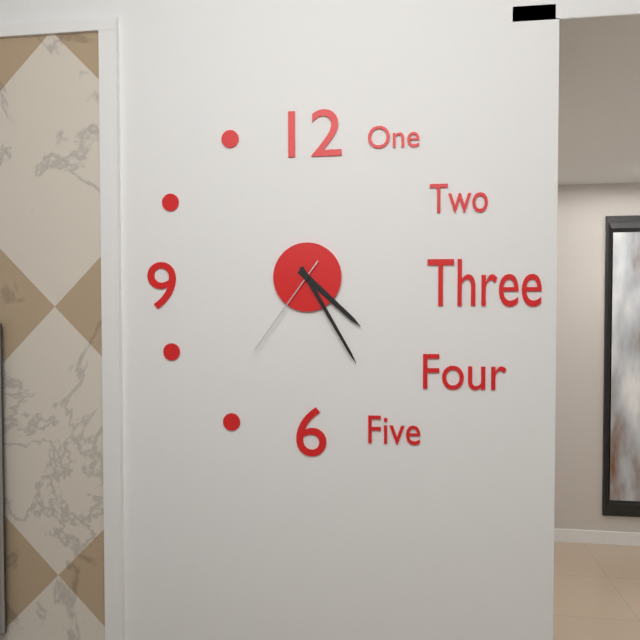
{"hour": 4, "minute": 25, "second": 36}
